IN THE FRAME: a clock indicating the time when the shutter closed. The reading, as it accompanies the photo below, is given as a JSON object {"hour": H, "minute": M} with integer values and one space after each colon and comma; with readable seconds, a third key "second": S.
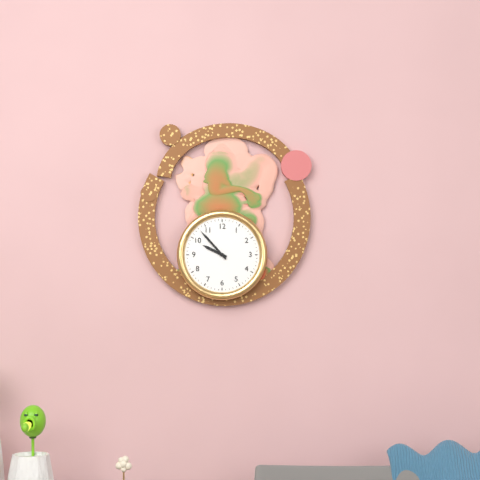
{"hour": 9, "minute": 53}
